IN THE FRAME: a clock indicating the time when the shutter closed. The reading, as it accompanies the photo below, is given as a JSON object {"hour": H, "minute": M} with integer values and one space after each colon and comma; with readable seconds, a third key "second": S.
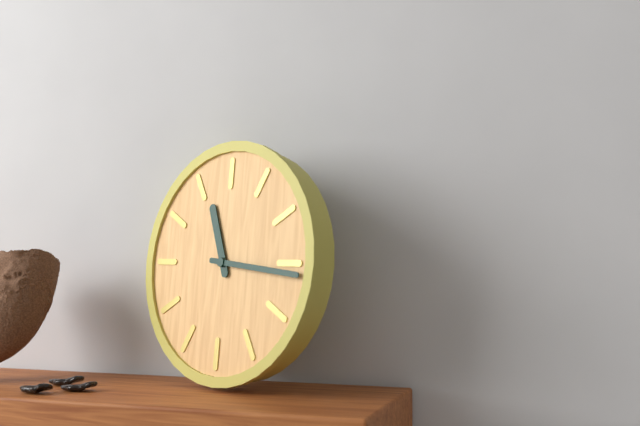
{"hour": 11, "minute": 16}
